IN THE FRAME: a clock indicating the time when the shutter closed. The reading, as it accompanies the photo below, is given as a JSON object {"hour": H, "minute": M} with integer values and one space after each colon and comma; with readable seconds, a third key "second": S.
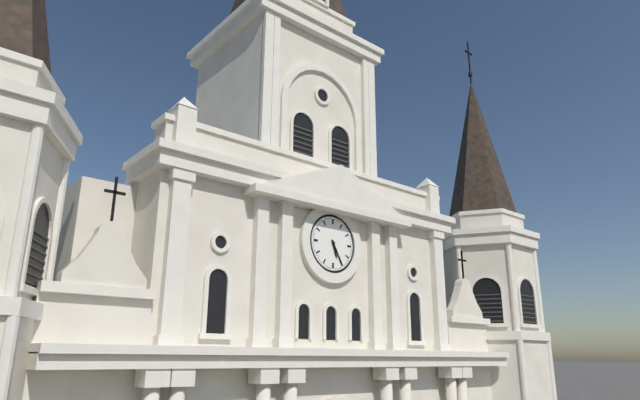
{"hour": 5, "minute": 25}
